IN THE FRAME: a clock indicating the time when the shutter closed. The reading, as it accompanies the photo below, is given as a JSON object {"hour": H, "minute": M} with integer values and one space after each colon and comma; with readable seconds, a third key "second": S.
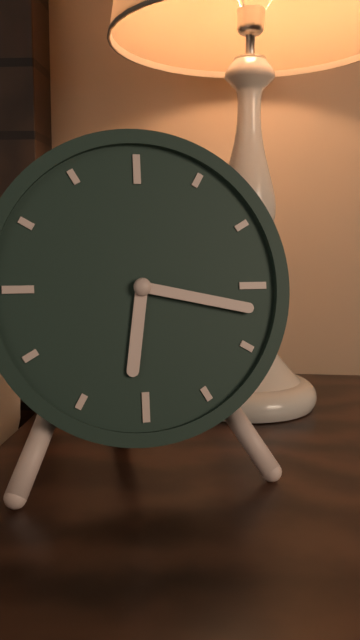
{"hour": 6, "minute": 17}
